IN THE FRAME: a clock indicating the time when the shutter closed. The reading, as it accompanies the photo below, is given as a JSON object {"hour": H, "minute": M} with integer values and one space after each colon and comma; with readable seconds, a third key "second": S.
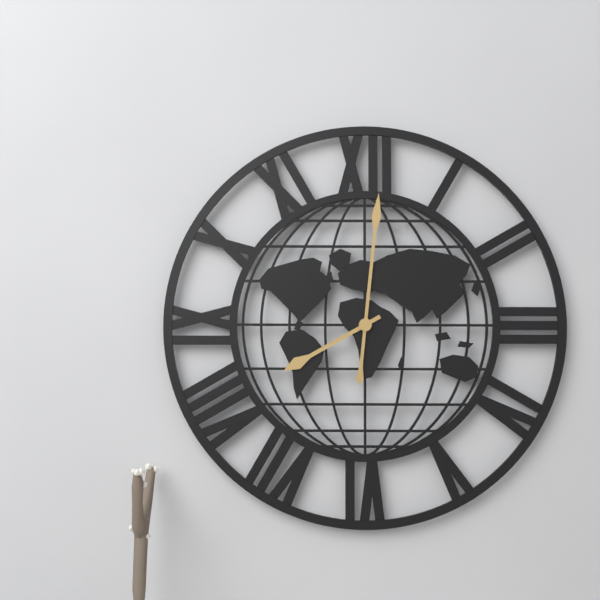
{"hour": 8, "minute": 1}
